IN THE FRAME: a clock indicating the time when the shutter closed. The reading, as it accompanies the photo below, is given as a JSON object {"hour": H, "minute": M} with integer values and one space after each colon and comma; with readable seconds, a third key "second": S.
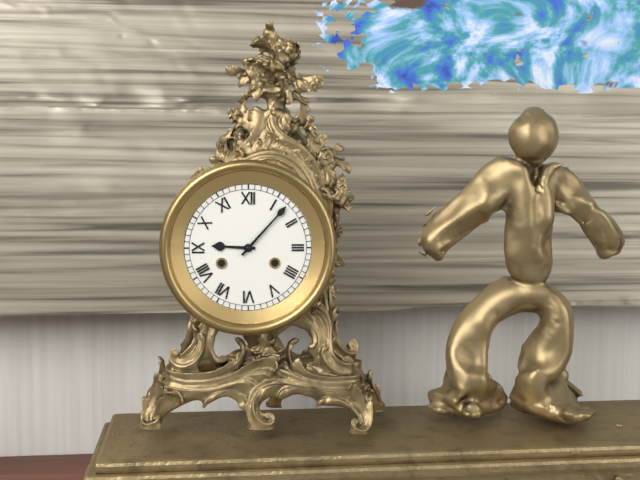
{"hour": 9, "minute": 7}
